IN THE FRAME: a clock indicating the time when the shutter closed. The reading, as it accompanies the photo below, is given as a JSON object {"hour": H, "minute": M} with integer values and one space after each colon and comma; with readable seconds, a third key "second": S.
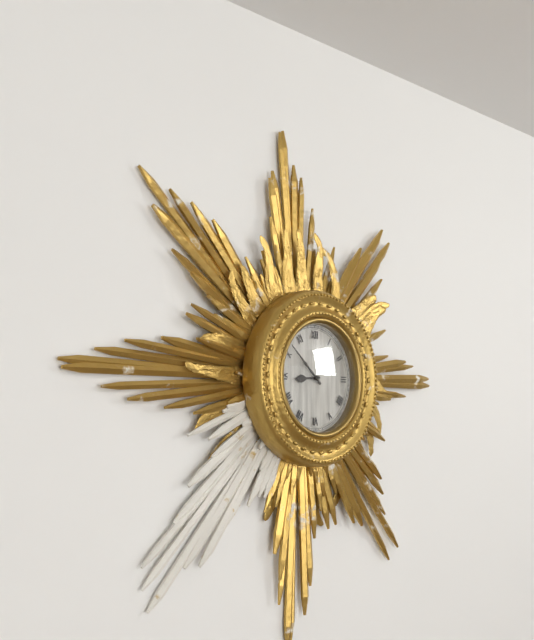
{"hour": 8, "minute": 52}
